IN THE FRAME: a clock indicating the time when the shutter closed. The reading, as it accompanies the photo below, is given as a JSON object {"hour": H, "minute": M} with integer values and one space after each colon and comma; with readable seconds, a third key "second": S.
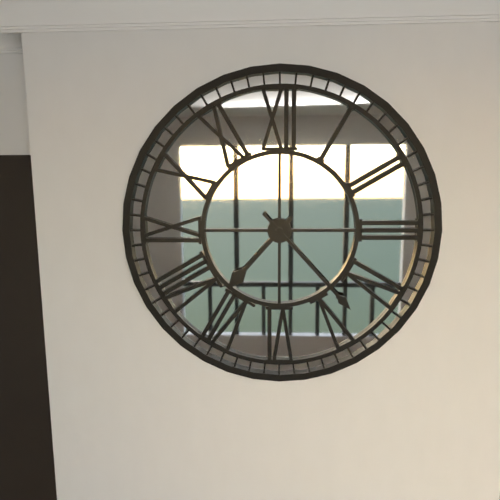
{"hour": 7, "minute": 23}
